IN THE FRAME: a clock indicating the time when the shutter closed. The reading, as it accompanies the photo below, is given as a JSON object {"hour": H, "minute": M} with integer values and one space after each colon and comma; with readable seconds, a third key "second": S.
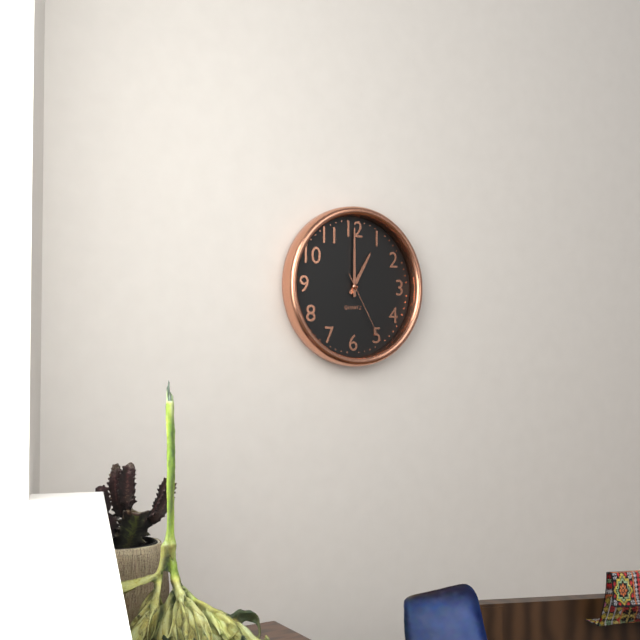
{"hour": 1, "minute": 0, "second": 25}
